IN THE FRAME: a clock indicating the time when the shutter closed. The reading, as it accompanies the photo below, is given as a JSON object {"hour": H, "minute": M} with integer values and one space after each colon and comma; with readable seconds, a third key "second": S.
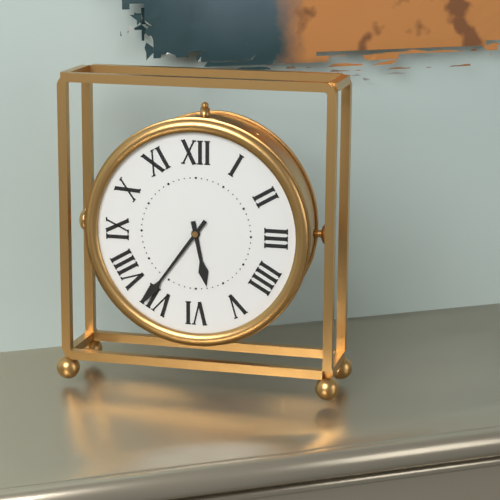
{"hour": 5, "minute": 36}
